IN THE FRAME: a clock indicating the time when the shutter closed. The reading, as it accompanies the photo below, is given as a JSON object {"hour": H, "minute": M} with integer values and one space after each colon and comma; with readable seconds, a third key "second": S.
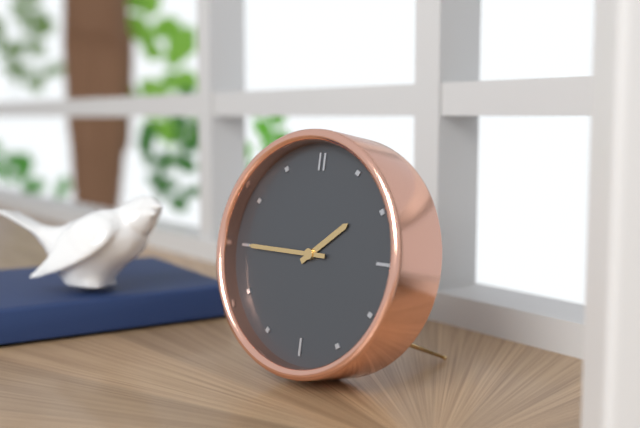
{"hour": 1, "minute": 45}
